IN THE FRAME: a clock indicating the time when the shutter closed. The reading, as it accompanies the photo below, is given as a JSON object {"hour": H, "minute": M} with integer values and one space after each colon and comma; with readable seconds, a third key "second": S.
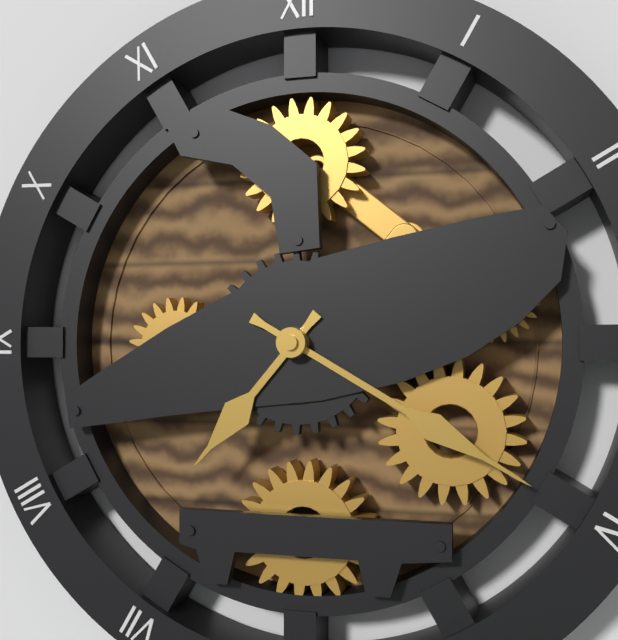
{"hour": 7, "minute": 20}
